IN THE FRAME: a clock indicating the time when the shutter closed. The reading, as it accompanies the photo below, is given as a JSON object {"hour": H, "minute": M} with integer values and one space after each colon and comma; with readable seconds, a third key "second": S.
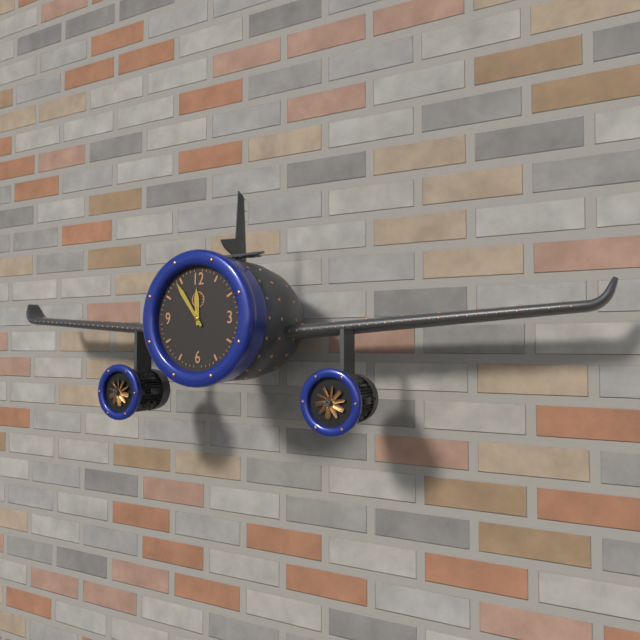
{"hour": 11, "minute": 54}
